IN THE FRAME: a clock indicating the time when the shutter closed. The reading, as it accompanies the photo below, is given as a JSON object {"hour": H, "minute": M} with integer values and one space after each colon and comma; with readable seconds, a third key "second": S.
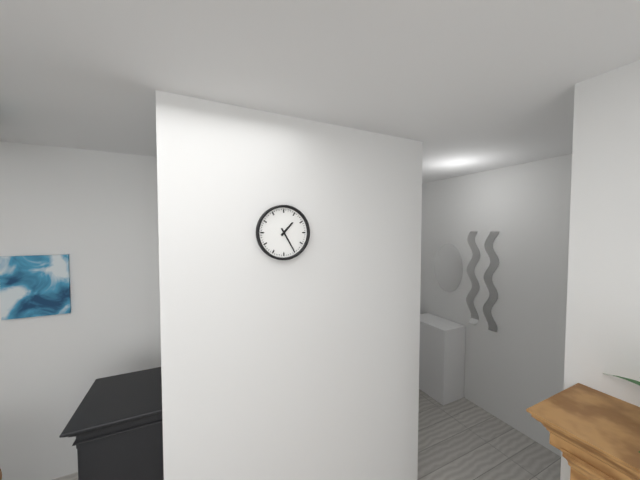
{"hour": 1, "minute": 25}
